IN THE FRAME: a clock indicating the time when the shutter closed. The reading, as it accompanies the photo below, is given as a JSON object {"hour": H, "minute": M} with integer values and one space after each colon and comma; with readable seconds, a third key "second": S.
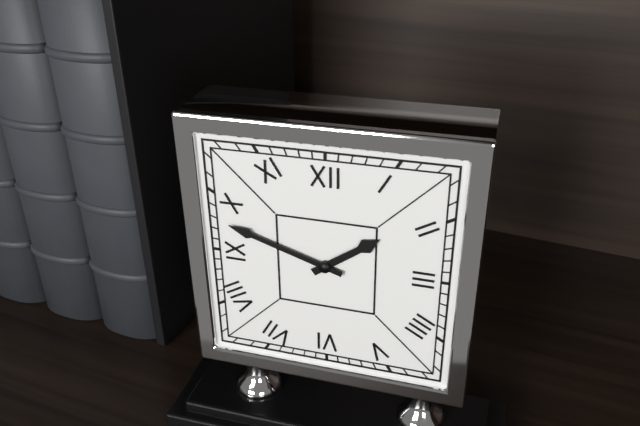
{"hour": 1, "minute": 48}
